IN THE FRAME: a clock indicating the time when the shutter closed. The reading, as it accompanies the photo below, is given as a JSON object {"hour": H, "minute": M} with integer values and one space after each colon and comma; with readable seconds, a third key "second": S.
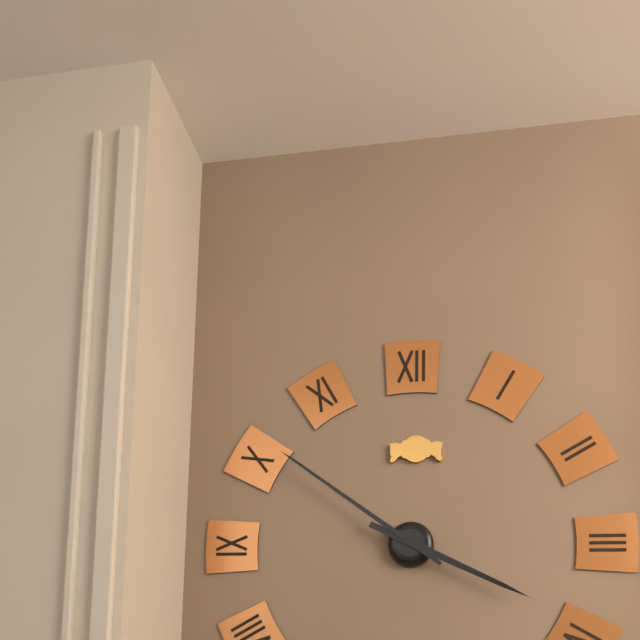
{"hour": 3, "minute": 51}
